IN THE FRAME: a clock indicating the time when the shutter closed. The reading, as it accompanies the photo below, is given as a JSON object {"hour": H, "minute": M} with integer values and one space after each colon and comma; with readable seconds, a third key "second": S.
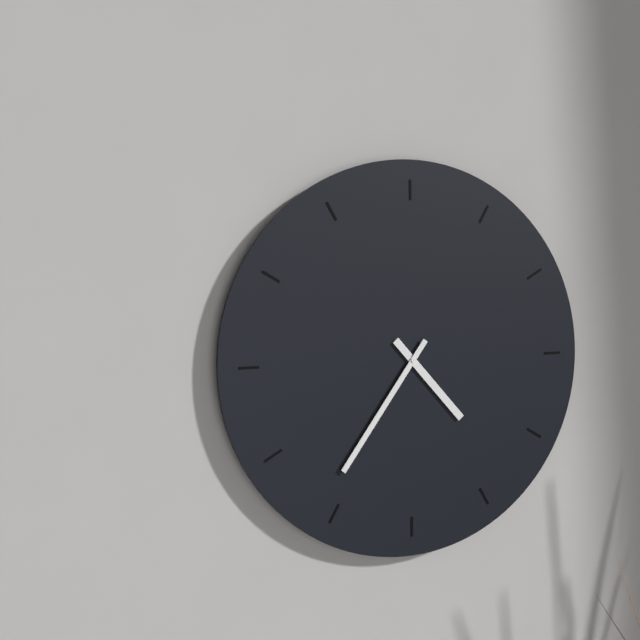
{"hour": 4, "minute": 36}
